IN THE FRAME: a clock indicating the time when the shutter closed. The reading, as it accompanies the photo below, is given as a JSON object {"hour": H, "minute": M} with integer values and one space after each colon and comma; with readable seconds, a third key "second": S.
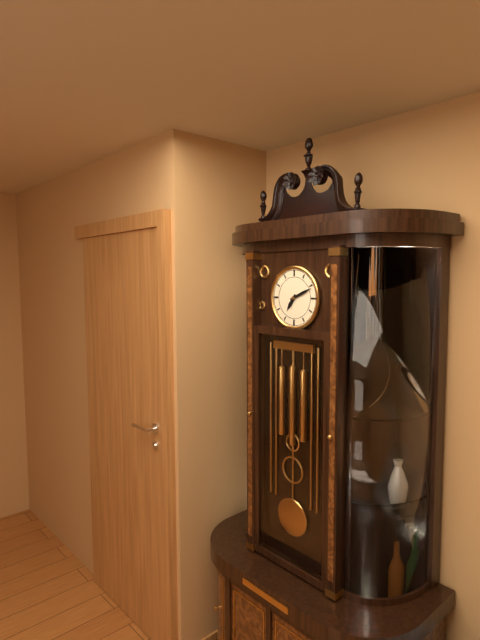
{"hour": 7, "minute": 11}
